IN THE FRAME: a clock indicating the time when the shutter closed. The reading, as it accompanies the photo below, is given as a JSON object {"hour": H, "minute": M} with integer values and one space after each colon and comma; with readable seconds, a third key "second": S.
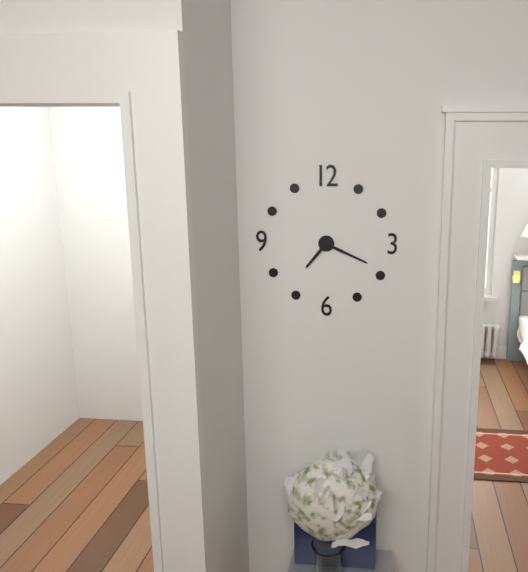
{"hour": 7, "minute": 19}
